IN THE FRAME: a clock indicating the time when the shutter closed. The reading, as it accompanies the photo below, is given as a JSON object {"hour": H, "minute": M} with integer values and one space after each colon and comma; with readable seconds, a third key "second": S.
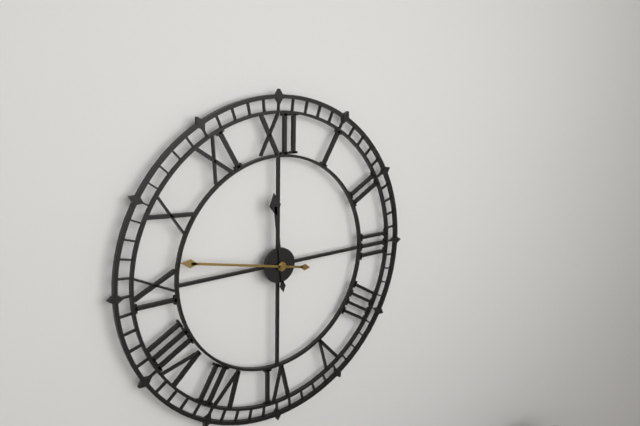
{"hour": 11, "minute": 47}
